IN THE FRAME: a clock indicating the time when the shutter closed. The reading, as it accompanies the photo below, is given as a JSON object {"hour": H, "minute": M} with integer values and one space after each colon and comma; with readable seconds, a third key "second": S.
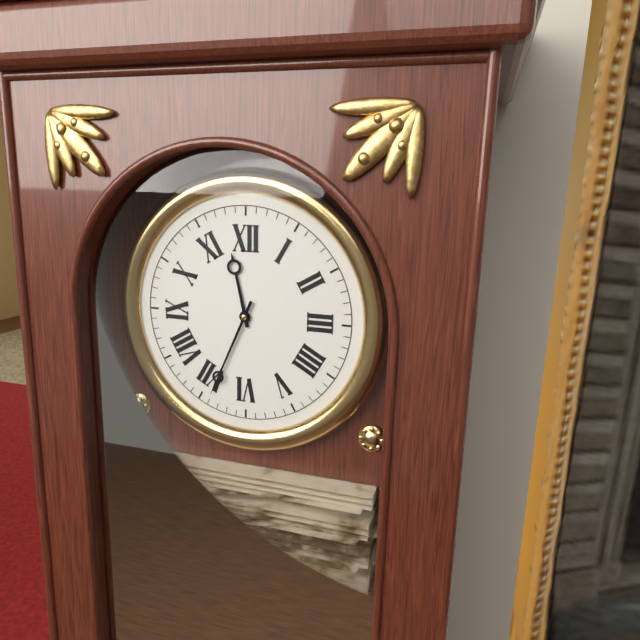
{"hour": 11, "minute": 34}
